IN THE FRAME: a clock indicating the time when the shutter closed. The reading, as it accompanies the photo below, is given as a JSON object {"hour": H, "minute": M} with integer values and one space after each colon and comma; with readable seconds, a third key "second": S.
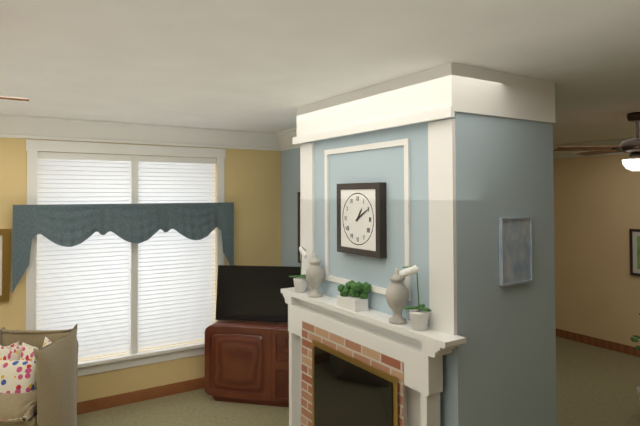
{"hour": 1, "minute": 10}
